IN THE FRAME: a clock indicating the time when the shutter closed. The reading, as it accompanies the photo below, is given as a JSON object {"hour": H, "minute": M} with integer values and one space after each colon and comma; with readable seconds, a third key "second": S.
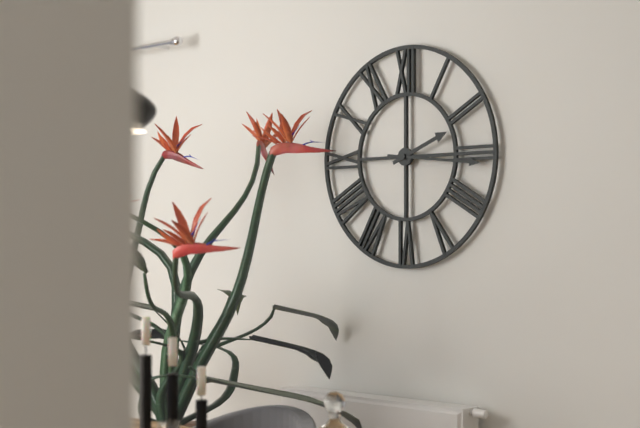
{"hour": 2, "minute": 16}
